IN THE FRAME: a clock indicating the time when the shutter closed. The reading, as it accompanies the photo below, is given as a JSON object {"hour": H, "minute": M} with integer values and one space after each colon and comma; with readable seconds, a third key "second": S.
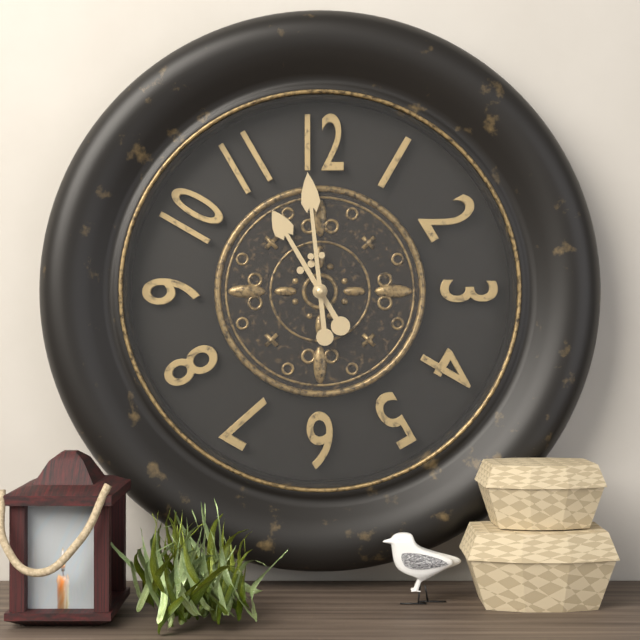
{"hour": 10, "minute": 59}
